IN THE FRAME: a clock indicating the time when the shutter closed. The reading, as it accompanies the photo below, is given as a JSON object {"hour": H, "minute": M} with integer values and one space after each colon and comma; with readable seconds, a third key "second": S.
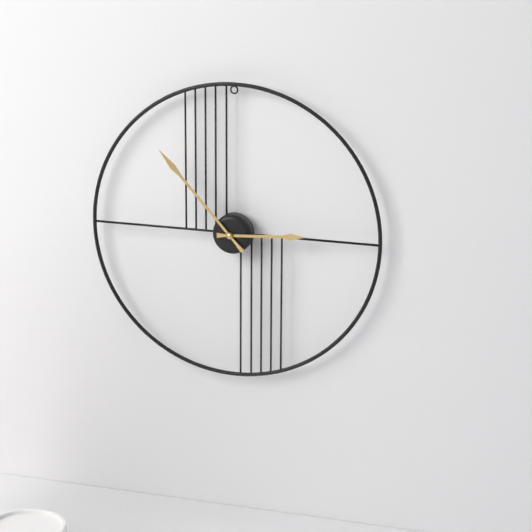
{"hour": 2, "minute": 53}
